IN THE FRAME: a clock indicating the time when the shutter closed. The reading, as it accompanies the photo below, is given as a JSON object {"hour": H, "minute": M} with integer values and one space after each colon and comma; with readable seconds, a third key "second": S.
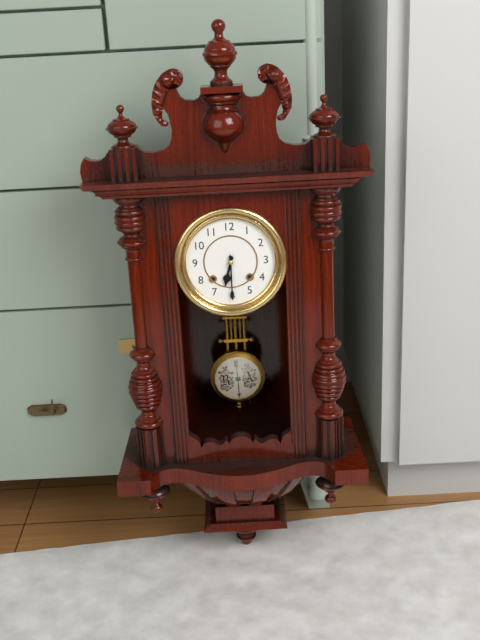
{"hour": 6, "minute": 30}
